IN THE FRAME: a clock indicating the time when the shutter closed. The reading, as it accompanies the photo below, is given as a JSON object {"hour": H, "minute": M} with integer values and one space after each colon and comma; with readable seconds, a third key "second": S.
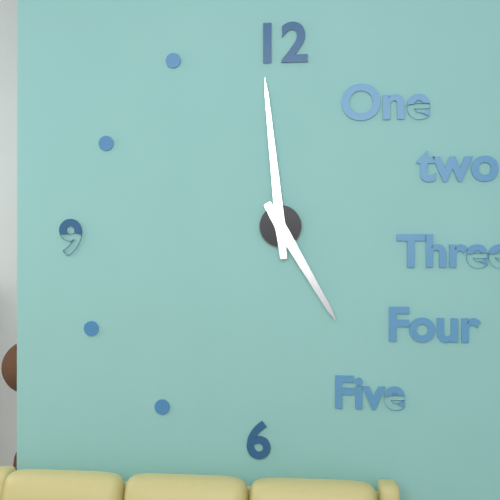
{"hour": 4, "minute": 59}
